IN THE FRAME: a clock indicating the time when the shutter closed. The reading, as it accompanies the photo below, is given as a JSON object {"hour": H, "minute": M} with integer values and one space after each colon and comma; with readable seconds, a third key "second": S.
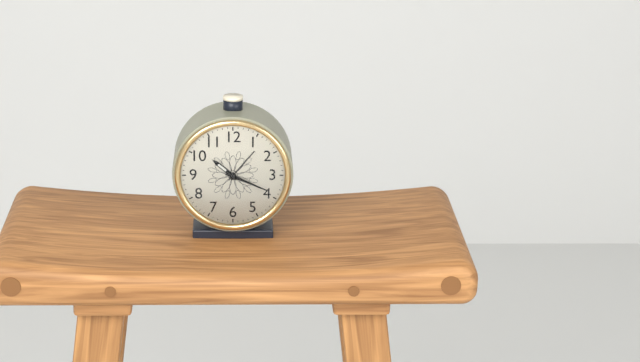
{"hour": 10, "minute": 19}
